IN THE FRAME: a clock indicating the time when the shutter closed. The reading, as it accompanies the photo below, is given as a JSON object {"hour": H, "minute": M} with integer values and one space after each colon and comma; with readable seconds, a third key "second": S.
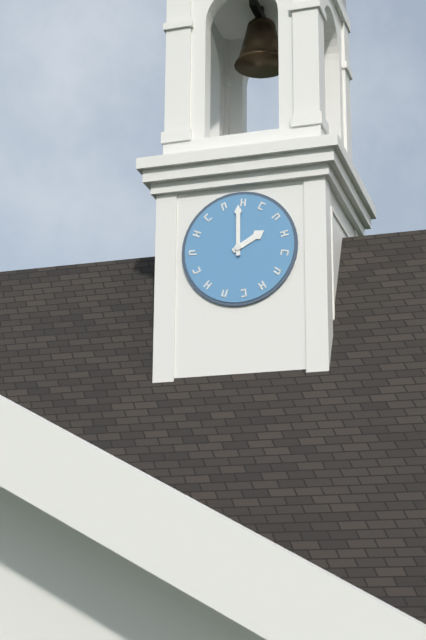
{"hour": 2, "minute": 0}
